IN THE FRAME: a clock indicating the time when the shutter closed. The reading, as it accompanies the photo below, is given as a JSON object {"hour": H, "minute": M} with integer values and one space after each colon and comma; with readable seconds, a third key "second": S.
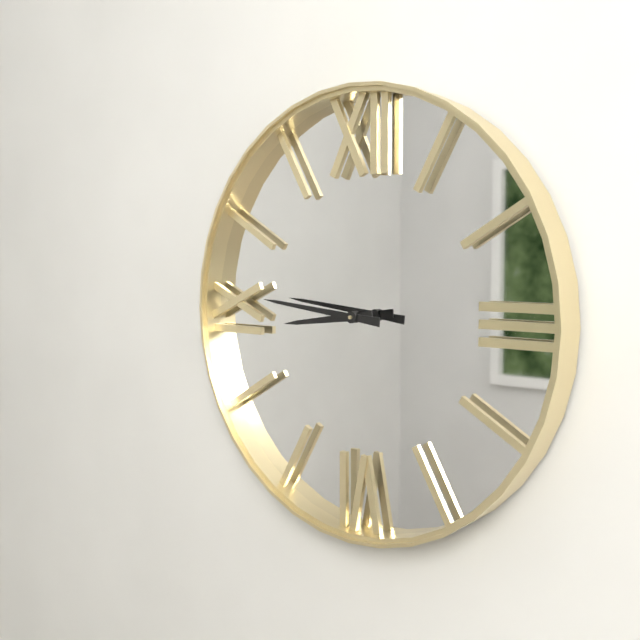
{"hour": 8, "minute": 46}
